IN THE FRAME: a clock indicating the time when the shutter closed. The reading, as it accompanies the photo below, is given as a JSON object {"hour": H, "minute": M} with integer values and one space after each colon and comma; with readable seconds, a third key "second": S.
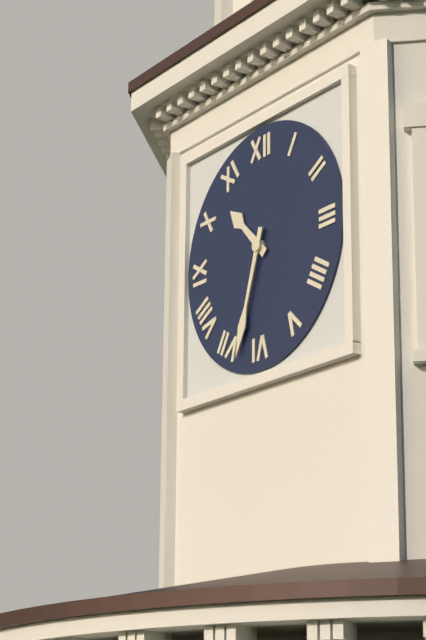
{"hour": 10, "minute": 33}
